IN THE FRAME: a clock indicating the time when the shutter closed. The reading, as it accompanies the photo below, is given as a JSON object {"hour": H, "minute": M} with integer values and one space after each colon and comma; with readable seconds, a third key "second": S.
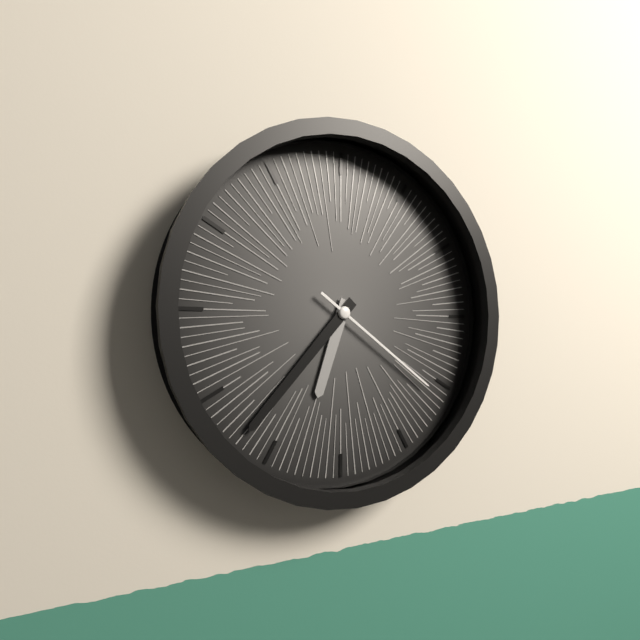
{"hour": 6, "minute": 37, "second": 21}
